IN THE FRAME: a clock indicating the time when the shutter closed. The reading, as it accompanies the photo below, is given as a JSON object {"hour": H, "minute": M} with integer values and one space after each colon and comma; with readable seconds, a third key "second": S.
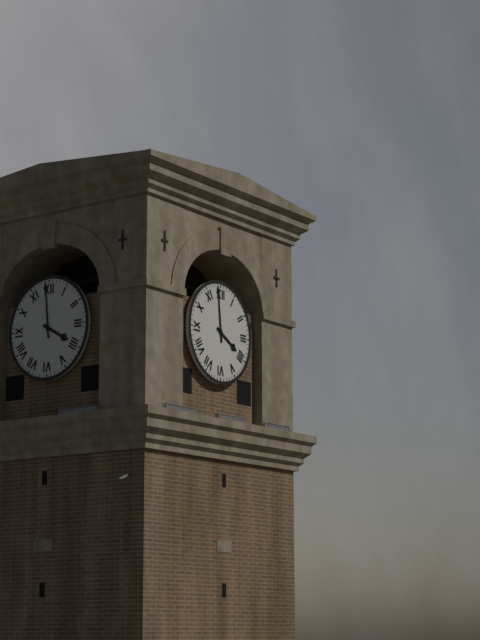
{"hour": 3, "minute": 59}
